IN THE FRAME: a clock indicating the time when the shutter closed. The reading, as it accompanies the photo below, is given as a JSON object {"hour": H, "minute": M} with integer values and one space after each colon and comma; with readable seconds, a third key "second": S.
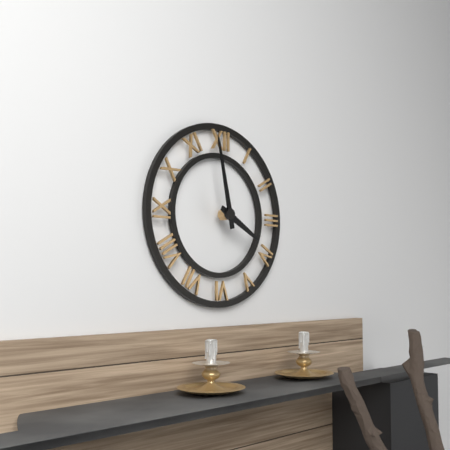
{"hour": 3, "minute": 58}
